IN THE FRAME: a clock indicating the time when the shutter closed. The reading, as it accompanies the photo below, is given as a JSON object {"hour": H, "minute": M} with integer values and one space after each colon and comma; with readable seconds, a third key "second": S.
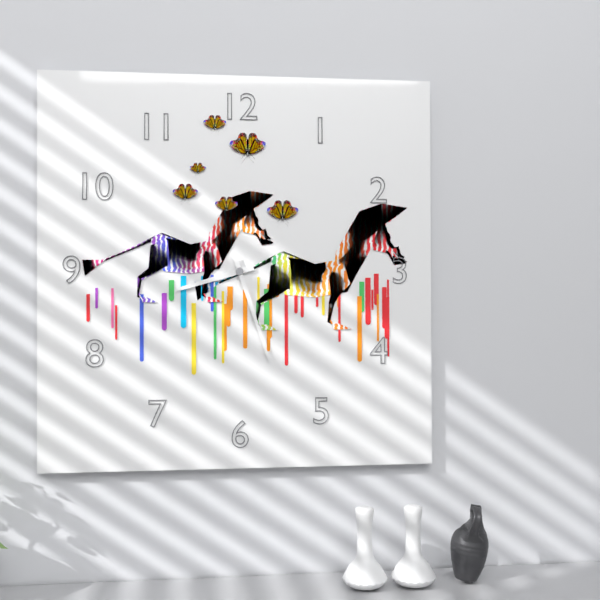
{"hour": 8, "minute": 27}
